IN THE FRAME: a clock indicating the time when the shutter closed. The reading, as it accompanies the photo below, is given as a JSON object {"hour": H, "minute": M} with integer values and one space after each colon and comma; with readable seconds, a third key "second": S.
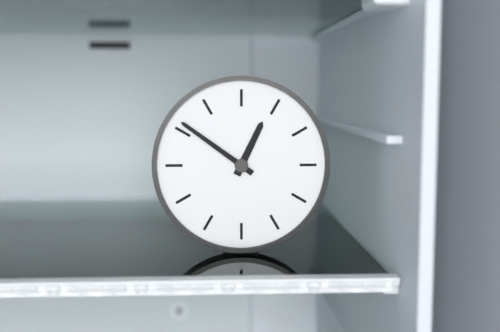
{"hour": 12, "minute": 51}
